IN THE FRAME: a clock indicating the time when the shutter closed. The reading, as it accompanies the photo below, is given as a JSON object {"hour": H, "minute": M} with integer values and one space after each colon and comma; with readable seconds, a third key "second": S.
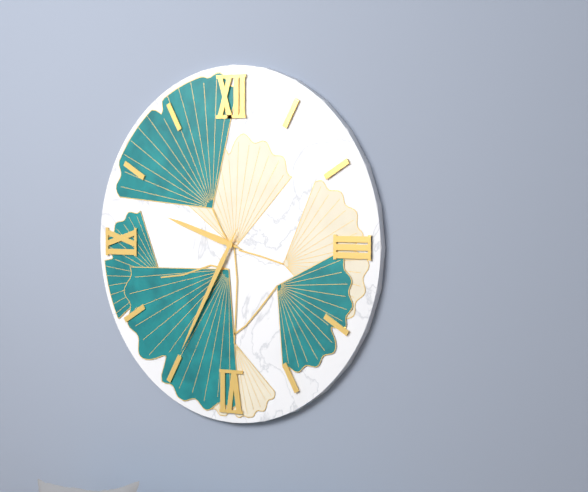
{"hour": 9, "minute": 35}
